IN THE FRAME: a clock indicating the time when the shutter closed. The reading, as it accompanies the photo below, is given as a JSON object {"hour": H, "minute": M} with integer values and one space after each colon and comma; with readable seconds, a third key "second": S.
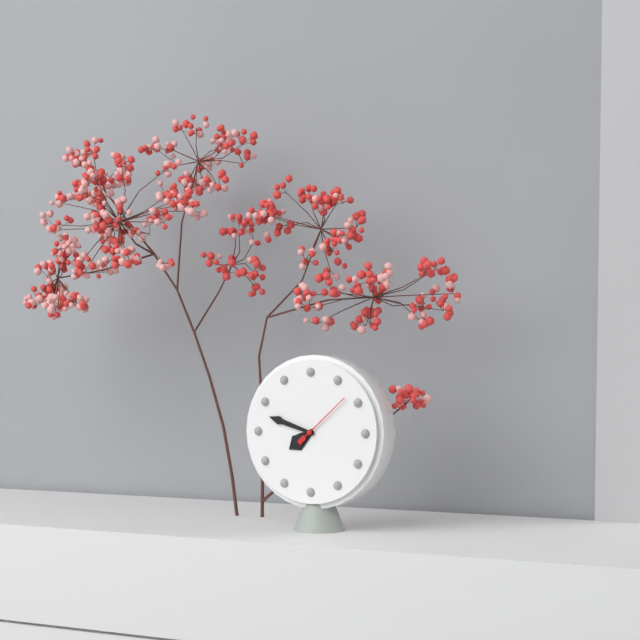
{"hour": 7, "minute": 48, "second": 8}
